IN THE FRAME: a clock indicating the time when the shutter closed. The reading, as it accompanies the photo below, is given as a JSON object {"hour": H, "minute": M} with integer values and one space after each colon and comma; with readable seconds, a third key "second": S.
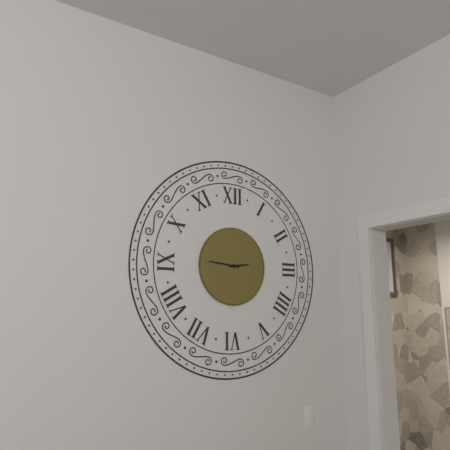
{"hour": 2, "minute": 46}
